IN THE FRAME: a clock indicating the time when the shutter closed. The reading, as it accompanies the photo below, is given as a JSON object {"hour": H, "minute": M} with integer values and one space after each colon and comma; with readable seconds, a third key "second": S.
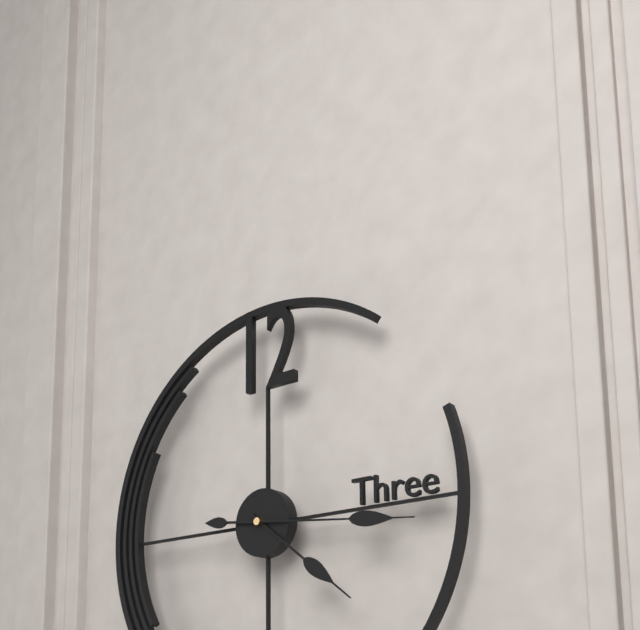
{"hour": 4, "minute": 16}
